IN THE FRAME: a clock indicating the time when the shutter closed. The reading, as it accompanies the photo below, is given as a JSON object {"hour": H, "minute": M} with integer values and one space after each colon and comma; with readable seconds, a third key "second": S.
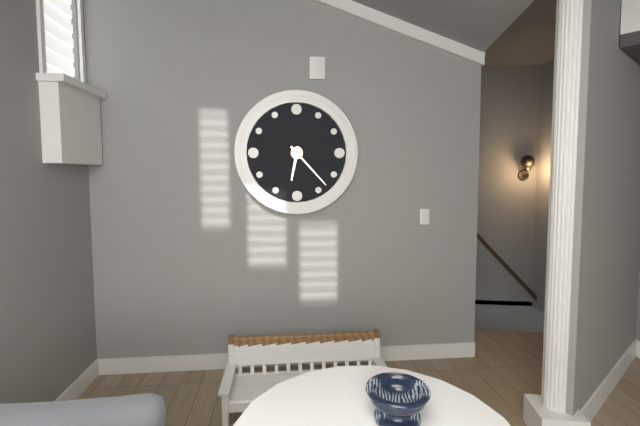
{"hour": 6, "minute": 23}
